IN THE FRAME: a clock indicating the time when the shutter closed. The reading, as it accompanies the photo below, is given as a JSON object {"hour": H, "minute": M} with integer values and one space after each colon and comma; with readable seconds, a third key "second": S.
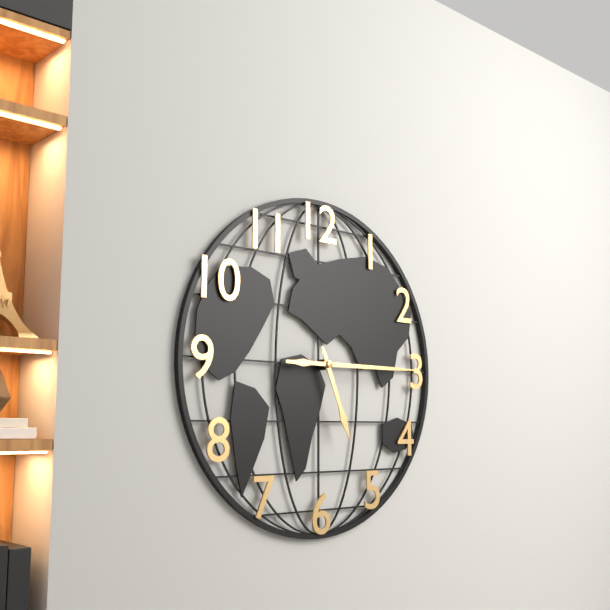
{"hour": 5, "minute": 15}
